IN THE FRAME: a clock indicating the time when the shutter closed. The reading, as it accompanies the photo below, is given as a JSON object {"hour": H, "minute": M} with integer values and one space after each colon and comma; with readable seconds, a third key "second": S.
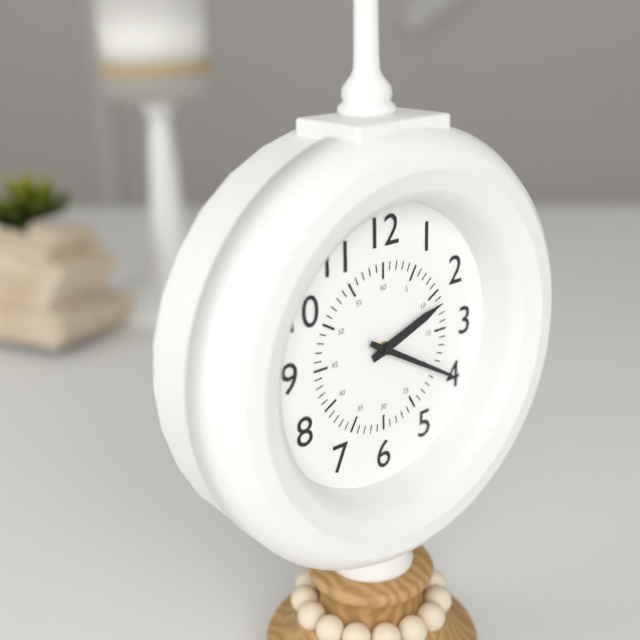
{"hour": 2, "minute": 20}
